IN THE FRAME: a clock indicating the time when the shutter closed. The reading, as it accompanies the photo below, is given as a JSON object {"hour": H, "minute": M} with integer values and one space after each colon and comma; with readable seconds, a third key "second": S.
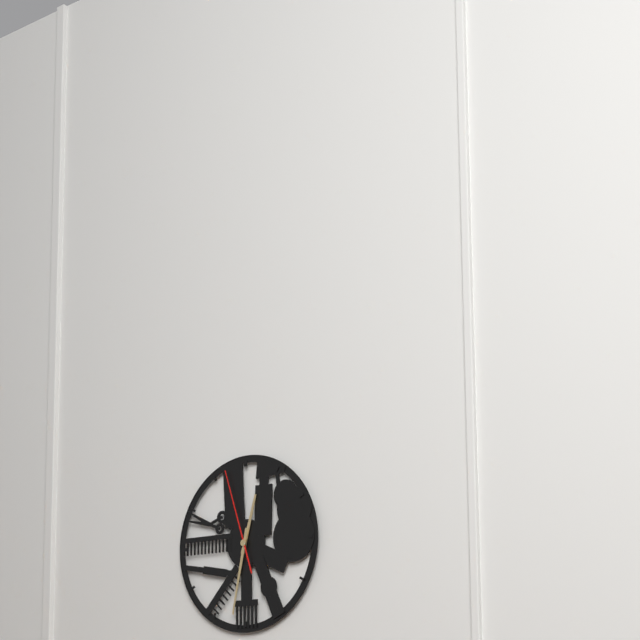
{"hour": 12, "minute": 32, "second": 57}
